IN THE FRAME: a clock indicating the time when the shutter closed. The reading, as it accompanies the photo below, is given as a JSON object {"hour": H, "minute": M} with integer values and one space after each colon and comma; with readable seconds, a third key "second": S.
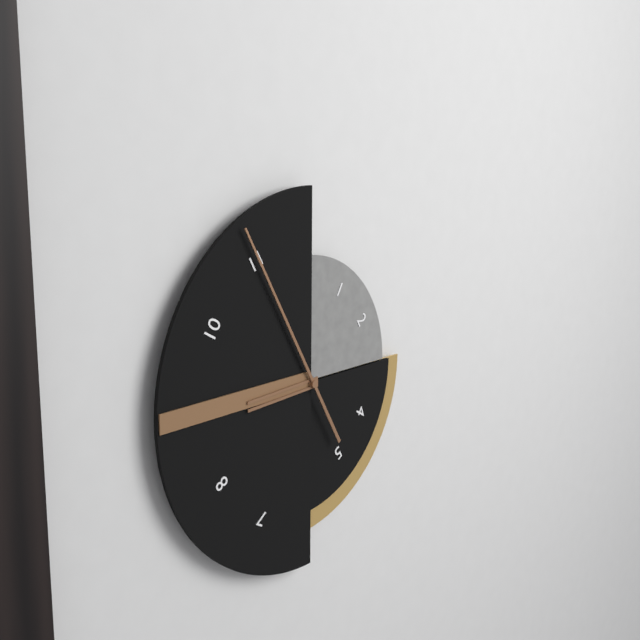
{"hour": 8, "minute": 55}
